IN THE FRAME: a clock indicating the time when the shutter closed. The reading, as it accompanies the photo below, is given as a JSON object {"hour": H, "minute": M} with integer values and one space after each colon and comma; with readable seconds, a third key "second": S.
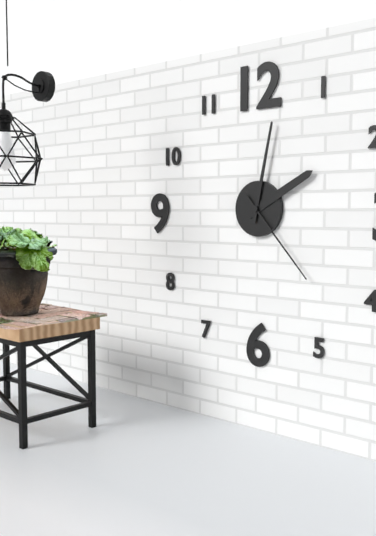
{"hour": 2, "minute": 2, "second": 23}
